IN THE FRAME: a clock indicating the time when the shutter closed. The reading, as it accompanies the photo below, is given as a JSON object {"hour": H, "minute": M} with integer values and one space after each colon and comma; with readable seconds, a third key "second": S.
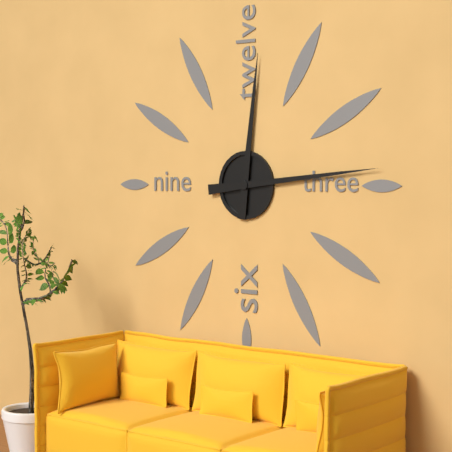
{"hour": 12, "minute": 14}
